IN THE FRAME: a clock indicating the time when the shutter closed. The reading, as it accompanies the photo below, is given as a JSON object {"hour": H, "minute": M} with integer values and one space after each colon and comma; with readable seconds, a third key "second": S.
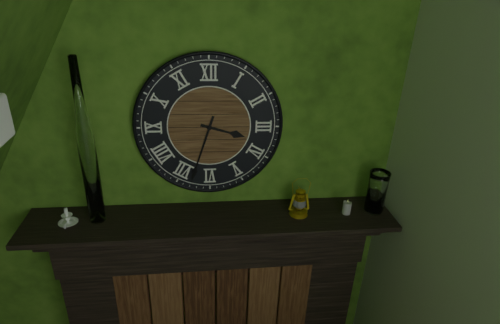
{"hour": 3, "minute": 33}
